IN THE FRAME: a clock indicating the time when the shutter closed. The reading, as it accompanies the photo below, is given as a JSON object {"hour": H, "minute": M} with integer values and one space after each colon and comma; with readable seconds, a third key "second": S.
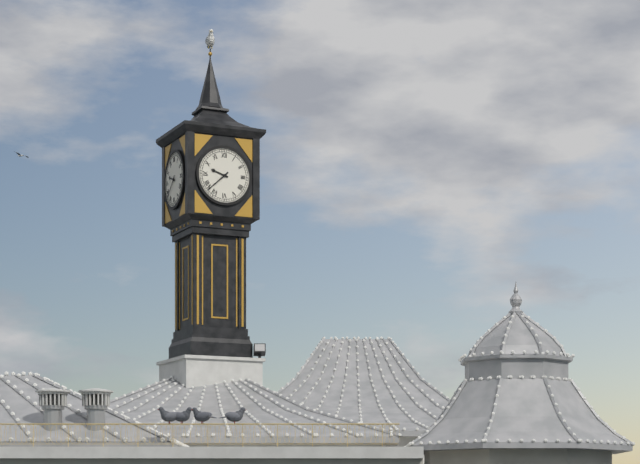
{"hour": 9, "minute": 38}
